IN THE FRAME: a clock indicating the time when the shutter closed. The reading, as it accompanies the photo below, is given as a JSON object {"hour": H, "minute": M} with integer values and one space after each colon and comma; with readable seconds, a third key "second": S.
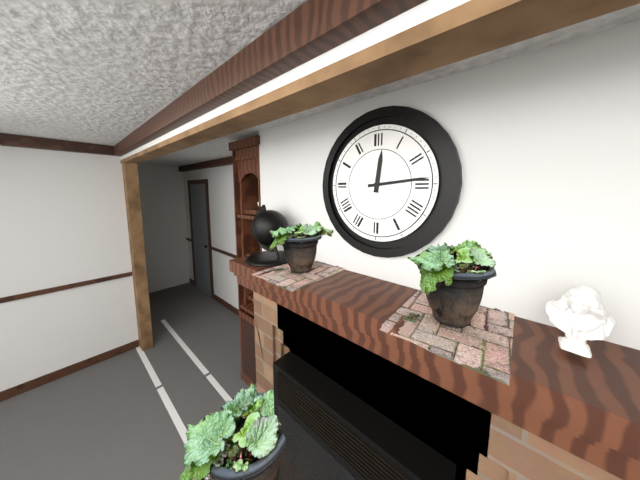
{"hour": 12, "minute": 14}
